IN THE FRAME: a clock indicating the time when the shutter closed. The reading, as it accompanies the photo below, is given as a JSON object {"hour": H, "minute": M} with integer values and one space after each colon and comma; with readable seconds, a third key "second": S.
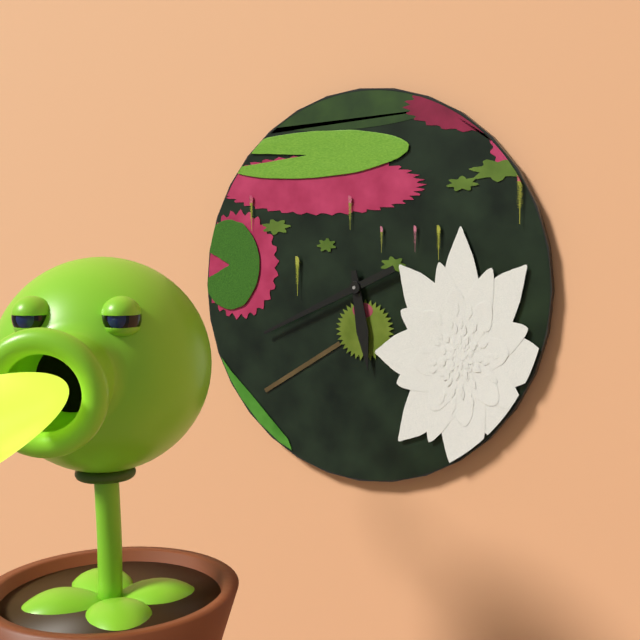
{"hour": 5, "minute": 41}
